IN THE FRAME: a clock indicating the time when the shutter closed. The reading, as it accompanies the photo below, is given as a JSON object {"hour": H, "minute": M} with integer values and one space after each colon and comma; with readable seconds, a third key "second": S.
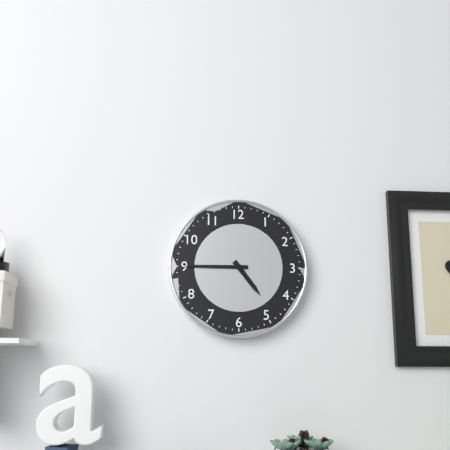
{"hour": 4, "minute": 45}
